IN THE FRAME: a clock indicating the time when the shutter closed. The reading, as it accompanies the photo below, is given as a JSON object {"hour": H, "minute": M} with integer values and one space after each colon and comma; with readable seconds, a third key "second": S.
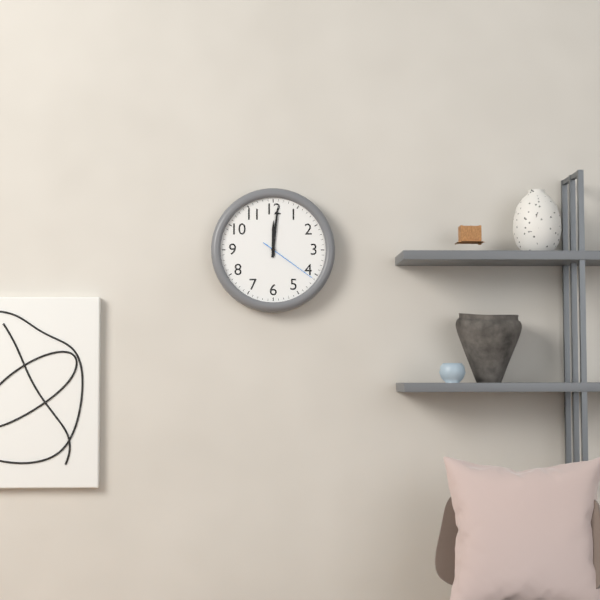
{"hour": 12, "minute": 1, "second": 21}
